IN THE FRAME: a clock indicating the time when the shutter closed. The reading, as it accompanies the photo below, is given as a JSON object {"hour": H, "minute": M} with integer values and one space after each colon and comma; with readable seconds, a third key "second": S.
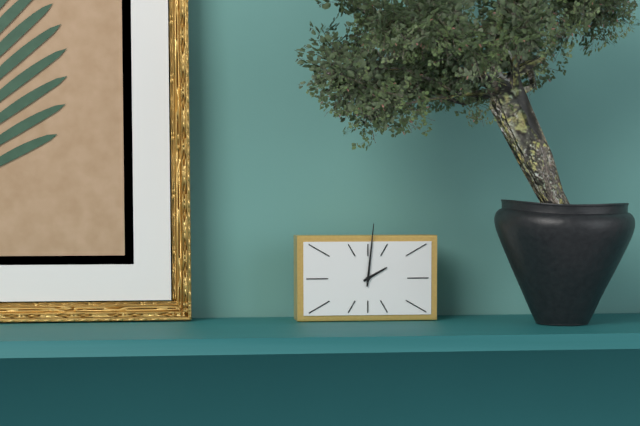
{"hour": 2, "minute": 1}
